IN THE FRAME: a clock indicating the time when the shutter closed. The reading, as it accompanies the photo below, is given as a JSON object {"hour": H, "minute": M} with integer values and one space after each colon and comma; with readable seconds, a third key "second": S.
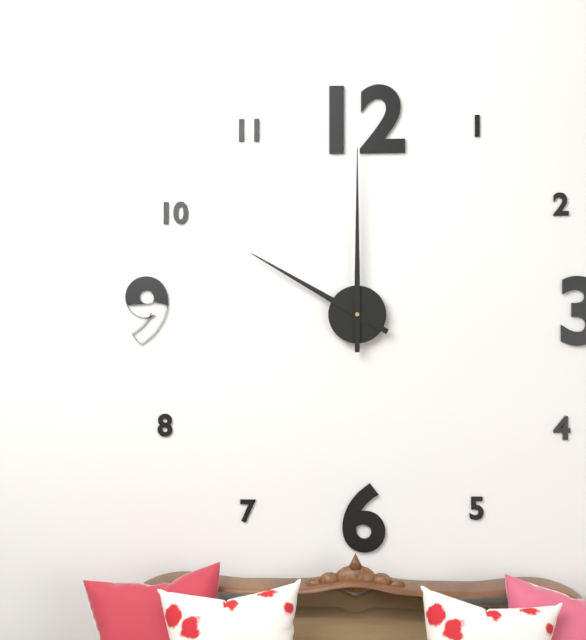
{"hour": 10, "minute": 0}
